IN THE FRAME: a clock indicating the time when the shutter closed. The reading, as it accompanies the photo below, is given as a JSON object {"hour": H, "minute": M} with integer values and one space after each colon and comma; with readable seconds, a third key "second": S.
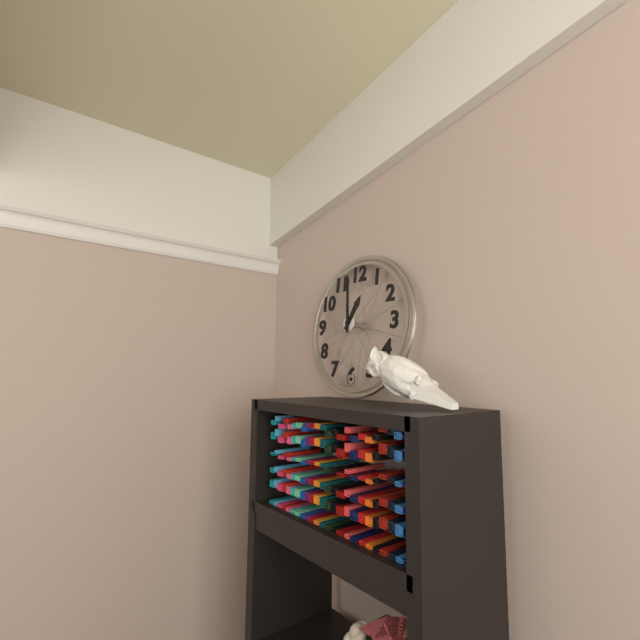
{"hour": 12, "minute": 59}
